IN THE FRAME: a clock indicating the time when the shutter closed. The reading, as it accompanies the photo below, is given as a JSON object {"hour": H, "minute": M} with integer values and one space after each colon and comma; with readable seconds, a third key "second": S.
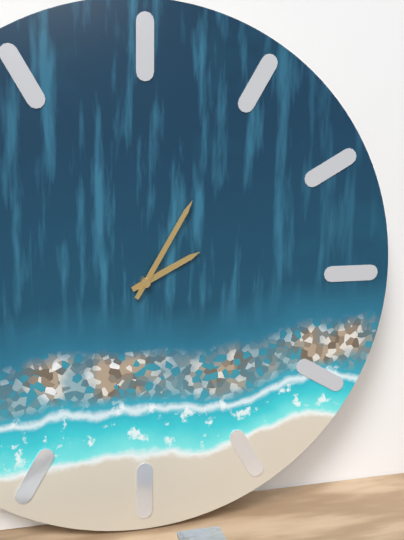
{"hour": 2, "minute": 5}
